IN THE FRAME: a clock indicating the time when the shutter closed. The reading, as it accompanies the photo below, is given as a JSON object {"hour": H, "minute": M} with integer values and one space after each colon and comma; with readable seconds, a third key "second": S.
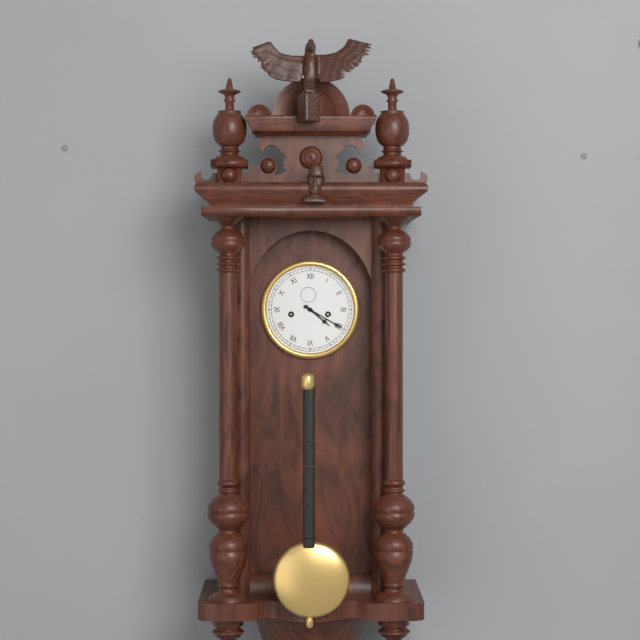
{"hour": 4, "minute": 20}
